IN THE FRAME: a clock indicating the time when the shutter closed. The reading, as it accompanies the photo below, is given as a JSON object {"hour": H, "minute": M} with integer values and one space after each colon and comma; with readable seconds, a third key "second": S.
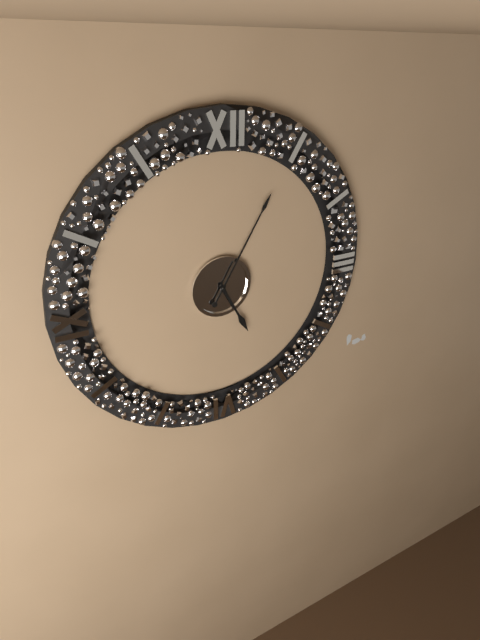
{"hour": 5, "minute": 5}
